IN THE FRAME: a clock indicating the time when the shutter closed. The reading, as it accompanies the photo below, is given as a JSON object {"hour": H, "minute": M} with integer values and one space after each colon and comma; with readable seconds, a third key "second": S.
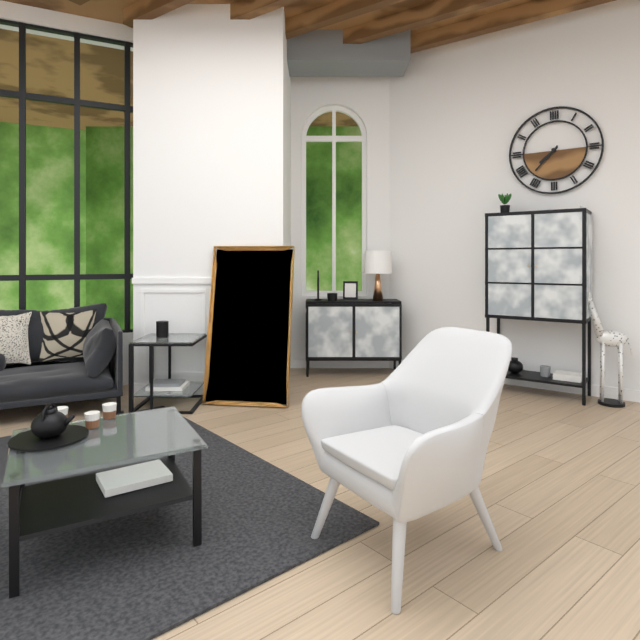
{"hour": 7, "minute": 37}
